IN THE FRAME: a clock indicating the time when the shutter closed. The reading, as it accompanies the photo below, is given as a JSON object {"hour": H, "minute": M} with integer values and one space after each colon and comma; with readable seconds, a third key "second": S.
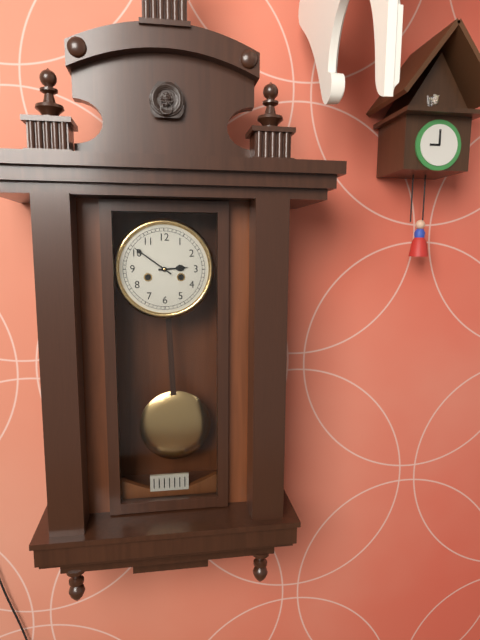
{"hour": 2, "minute": 51}
